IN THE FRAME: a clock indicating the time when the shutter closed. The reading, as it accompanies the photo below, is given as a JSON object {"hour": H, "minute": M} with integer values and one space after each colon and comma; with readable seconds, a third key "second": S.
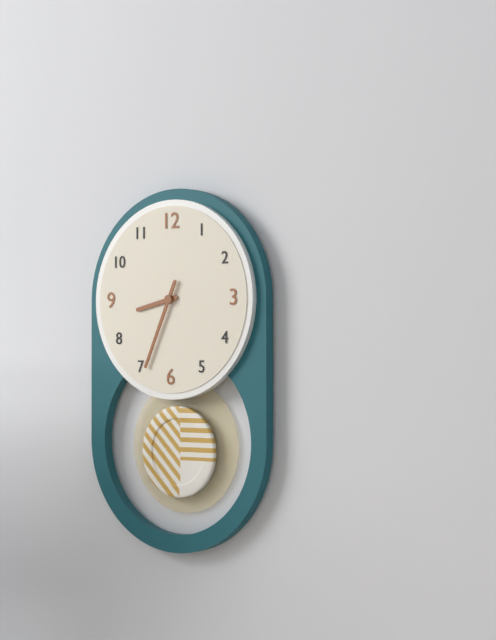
{"hour": 8, "minute": 34}
